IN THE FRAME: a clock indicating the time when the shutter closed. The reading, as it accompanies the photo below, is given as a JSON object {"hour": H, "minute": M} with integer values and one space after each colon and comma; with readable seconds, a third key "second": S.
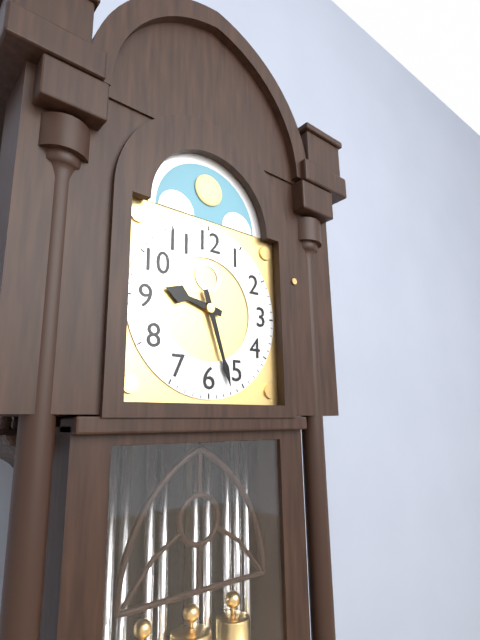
{"hour": 9, "minute": 27}
